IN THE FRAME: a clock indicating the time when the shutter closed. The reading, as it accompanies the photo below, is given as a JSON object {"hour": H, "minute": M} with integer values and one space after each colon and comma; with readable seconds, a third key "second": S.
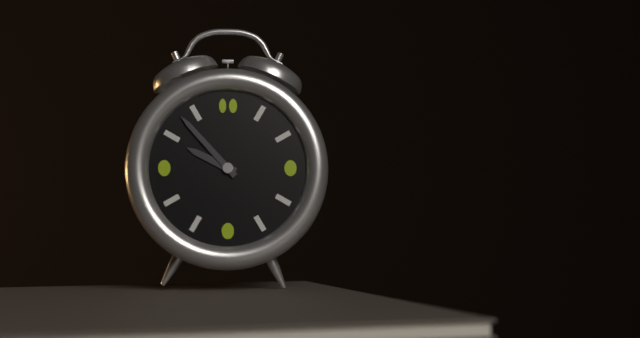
{"hour": 9, "minute": 53}
